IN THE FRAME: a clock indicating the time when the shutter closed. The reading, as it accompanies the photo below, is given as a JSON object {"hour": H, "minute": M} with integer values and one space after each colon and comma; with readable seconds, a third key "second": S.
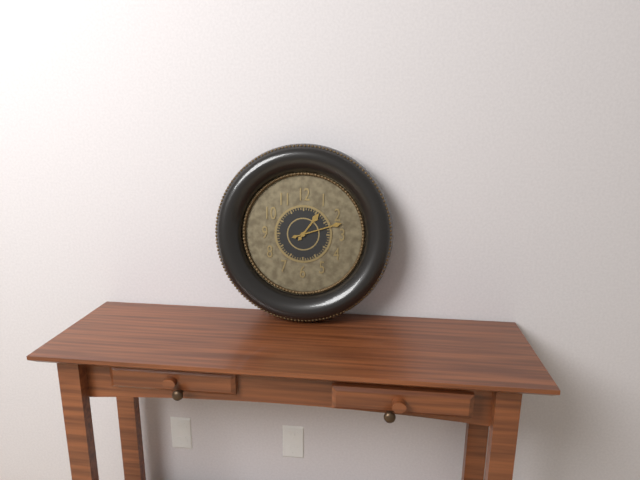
{"hour": 1, "minute": 12}
